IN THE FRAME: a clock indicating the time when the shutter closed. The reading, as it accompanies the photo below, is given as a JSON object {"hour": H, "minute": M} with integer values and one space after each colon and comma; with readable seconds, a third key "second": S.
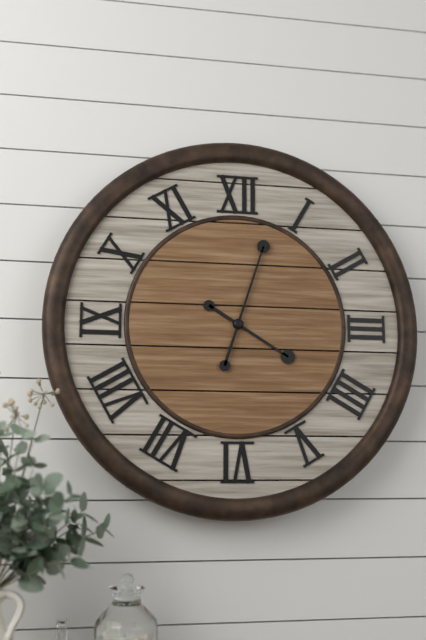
{"hour": 4, "minute": 3}
